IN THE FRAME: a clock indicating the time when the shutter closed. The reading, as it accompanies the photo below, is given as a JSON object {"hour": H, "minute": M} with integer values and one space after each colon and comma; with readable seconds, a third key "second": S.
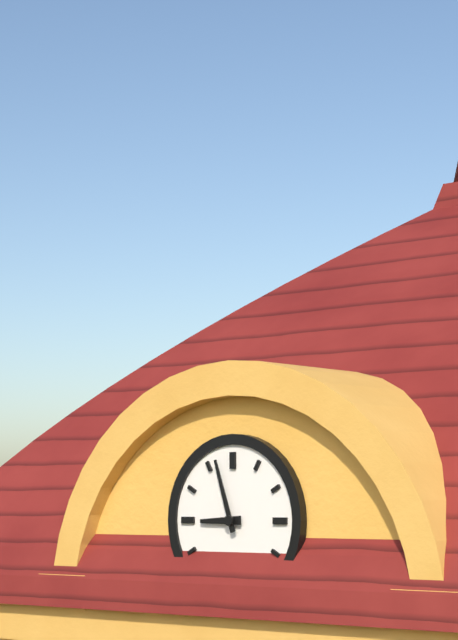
{"hour": 8, "minute": 57}
